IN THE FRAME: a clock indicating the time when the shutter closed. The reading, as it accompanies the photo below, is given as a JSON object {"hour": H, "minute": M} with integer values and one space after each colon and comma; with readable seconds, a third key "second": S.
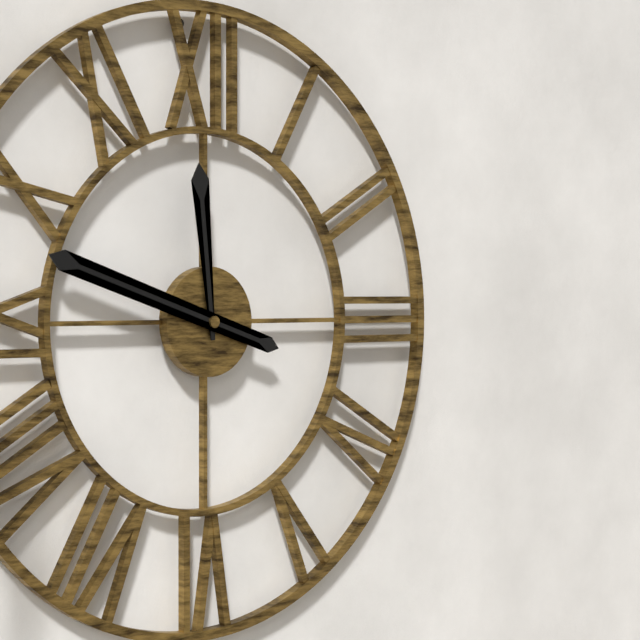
{"hour": 11, "minute": 48}
